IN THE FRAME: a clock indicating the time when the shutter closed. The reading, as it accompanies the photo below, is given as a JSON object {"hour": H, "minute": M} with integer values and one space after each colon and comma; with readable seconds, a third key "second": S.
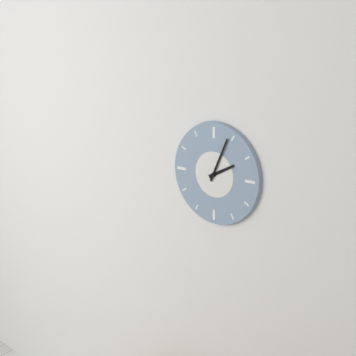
{"hour": 2, "minute": 4}
